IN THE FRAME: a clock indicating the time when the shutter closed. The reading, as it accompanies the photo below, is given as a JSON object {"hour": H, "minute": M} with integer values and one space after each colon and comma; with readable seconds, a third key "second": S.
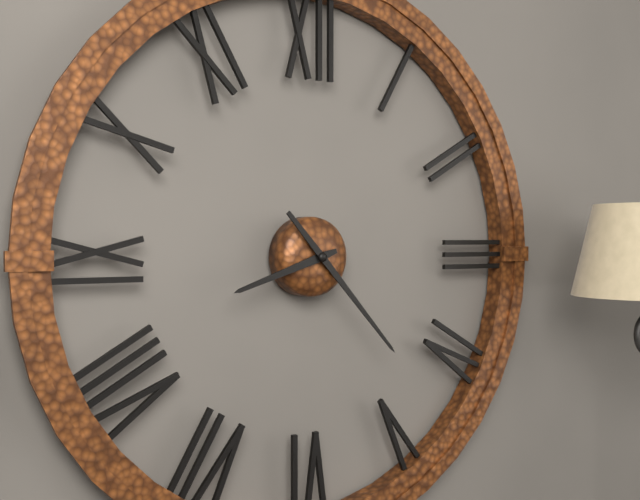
{"hour": 8, "minute": 23}
